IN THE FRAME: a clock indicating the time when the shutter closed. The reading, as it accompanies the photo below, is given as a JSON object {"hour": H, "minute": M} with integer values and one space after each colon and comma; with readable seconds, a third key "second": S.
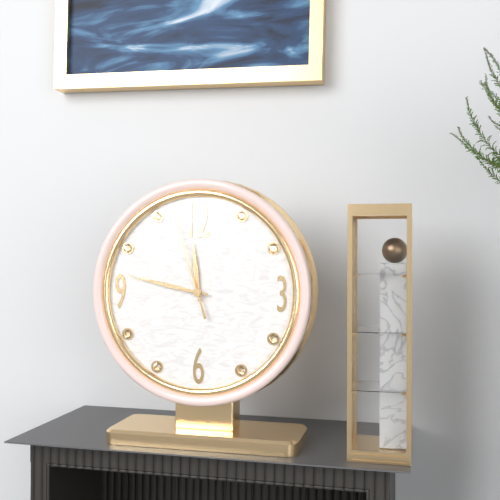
{"hour": 11, "minute": 47, "second": 57}
